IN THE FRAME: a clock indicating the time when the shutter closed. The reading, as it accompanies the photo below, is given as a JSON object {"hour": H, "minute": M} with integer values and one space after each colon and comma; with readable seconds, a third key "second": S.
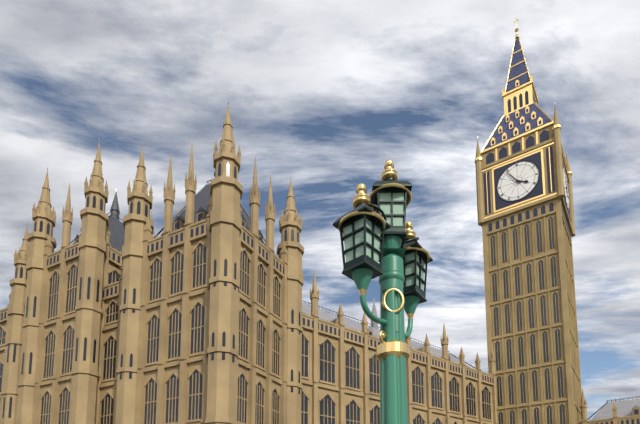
{"hour": 3, "minute": 54}
